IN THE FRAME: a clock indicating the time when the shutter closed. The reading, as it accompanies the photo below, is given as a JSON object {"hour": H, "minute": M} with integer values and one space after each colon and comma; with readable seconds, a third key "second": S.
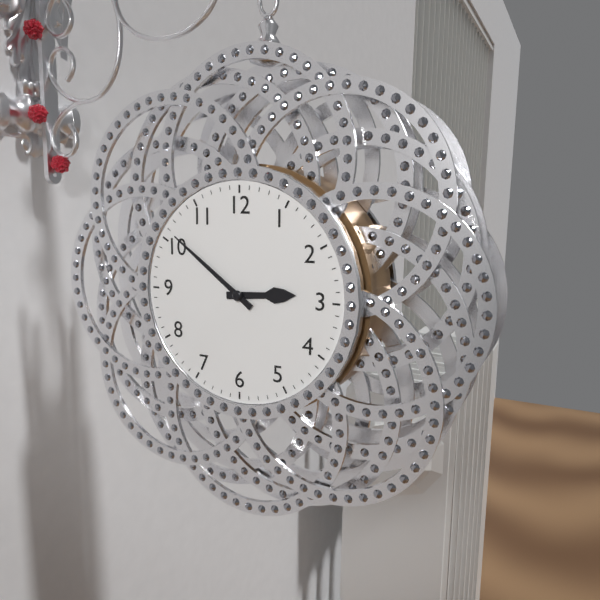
{"hour": 2, "minute": 51}
